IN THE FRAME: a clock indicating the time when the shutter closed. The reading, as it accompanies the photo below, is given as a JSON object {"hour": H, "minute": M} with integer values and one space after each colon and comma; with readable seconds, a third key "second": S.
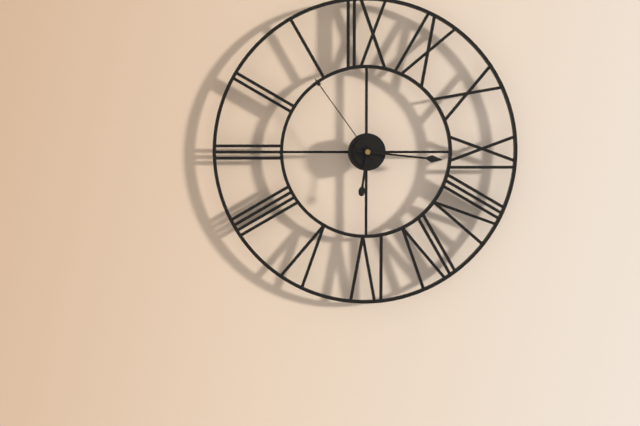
{"hour": 6, "minute": 16, "second": 54}
